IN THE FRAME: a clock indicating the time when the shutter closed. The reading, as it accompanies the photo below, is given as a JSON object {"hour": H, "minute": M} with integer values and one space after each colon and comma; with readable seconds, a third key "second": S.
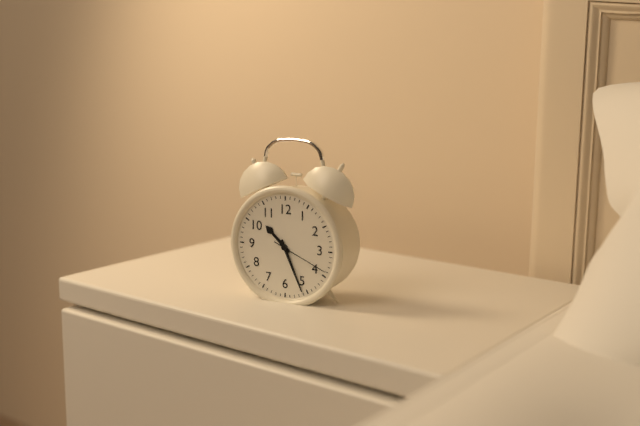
{"hour": 10, "minute": 26, "second": 19}
